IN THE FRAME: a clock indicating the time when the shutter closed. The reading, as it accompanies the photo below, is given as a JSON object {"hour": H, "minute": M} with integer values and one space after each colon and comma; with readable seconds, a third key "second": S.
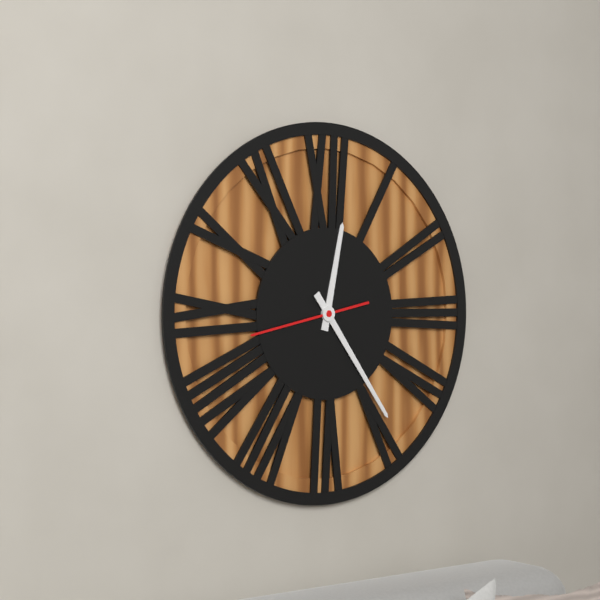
{"hour": 12, "minute": 24, "second": 43}
